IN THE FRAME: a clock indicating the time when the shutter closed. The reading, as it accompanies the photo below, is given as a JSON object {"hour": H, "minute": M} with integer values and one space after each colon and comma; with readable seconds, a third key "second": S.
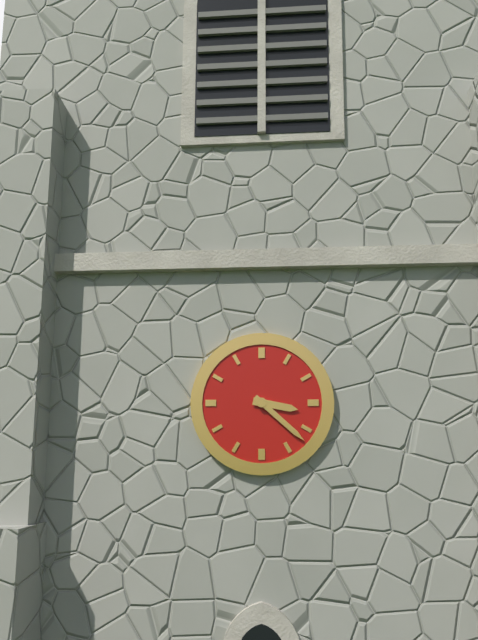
{"hour": 3, "minute": 22}
